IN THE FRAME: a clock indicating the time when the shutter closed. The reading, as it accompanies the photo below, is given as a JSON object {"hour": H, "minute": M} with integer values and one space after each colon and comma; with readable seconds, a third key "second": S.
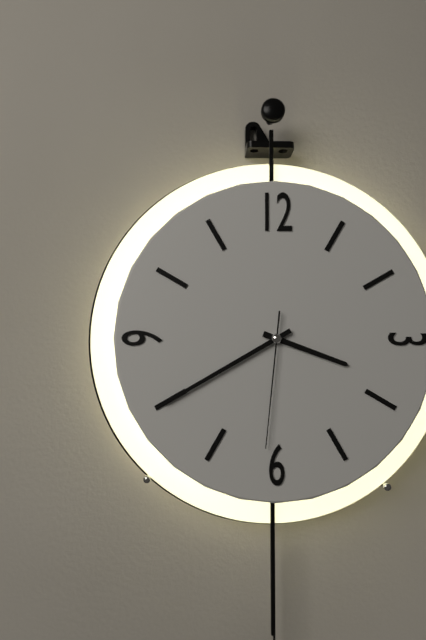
{"hour": 3, "minute": 40, "second": 31}
